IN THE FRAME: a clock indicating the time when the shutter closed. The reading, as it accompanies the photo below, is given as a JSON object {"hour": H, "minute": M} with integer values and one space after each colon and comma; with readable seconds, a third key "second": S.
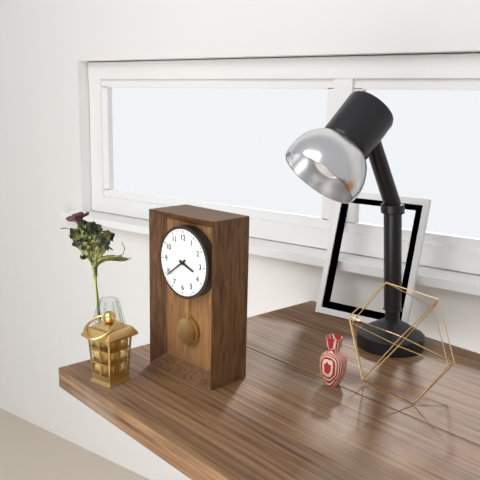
{"hour": 3, "minute": 39}
